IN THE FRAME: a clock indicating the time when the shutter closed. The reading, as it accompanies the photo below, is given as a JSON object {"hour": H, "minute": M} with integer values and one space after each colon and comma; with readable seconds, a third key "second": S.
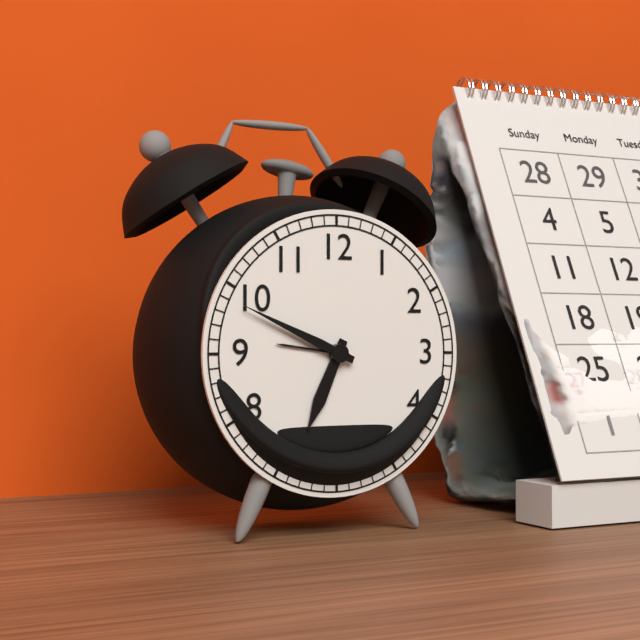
{"hour": 6, "minute": 49}
